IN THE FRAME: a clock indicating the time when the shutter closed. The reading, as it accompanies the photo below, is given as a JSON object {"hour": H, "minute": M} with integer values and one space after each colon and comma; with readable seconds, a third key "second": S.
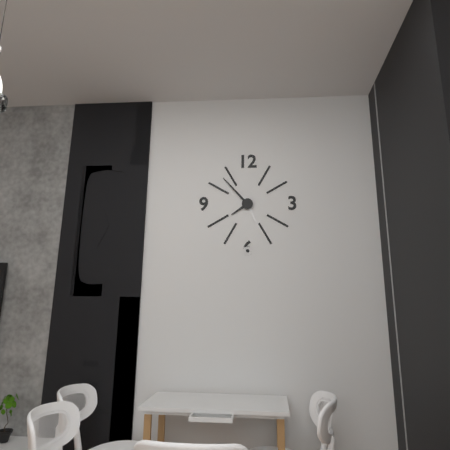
{"hour": 7, "minute": 53}
